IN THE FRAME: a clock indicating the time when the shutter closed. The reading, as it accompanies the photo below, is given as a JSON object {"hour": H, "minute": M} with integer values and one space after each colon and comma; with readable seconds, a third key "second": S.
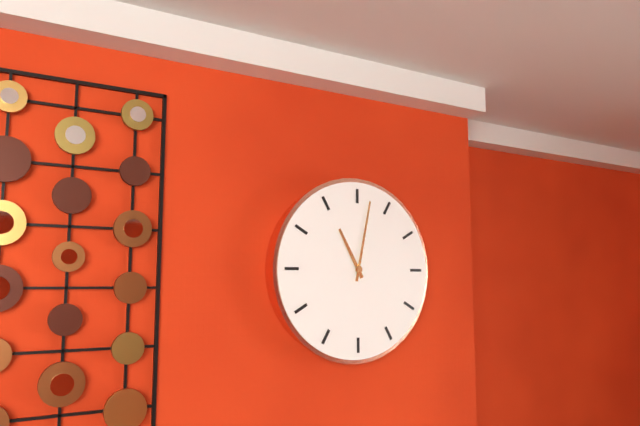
{"hour": 11, "minute": 2}
